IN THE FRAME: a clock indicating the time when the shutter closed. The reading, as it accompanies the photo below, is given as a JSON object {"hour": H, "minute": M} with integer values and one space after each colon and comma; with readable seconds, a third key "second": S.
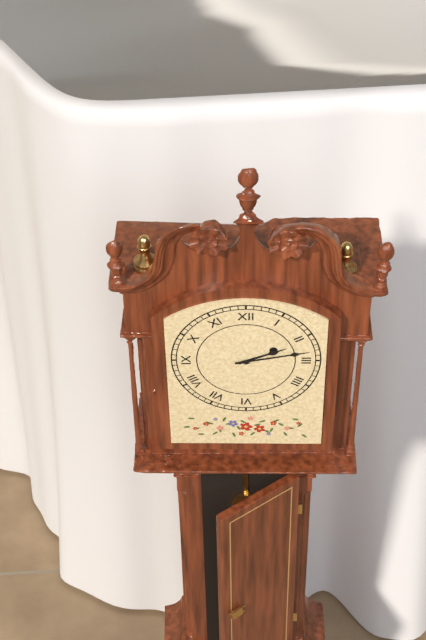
{"hour": 2, "minute": 13}
